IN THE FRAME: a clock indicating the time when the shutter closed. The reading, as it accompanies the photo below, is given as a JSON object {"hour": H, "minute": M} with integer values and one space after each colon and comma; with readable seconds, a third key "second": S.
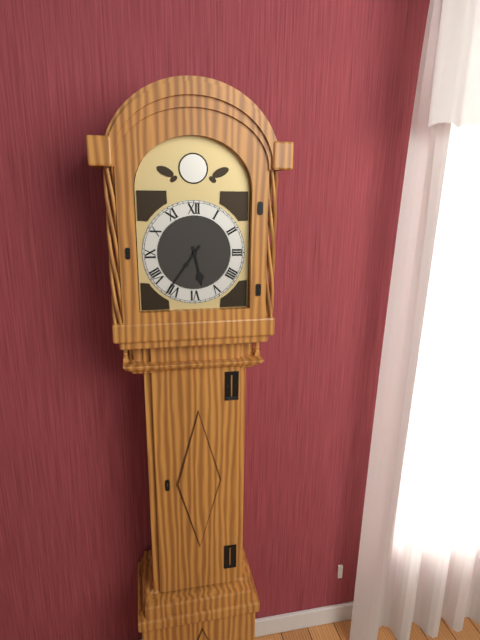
{"hour": 5, "minute": 36}
